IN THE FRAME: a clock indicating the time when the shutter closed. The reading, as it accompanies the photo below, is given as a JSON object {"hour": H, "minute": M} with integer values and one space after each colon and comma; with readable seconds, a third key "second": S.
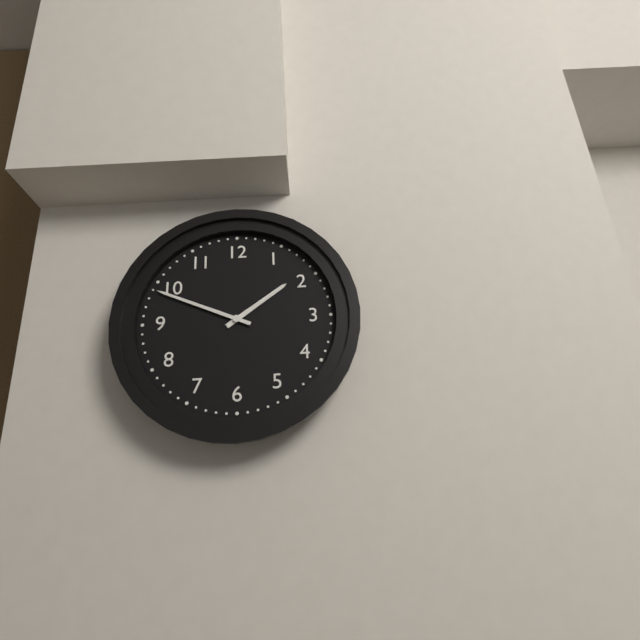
{"hour": 1, "minute": 49}
